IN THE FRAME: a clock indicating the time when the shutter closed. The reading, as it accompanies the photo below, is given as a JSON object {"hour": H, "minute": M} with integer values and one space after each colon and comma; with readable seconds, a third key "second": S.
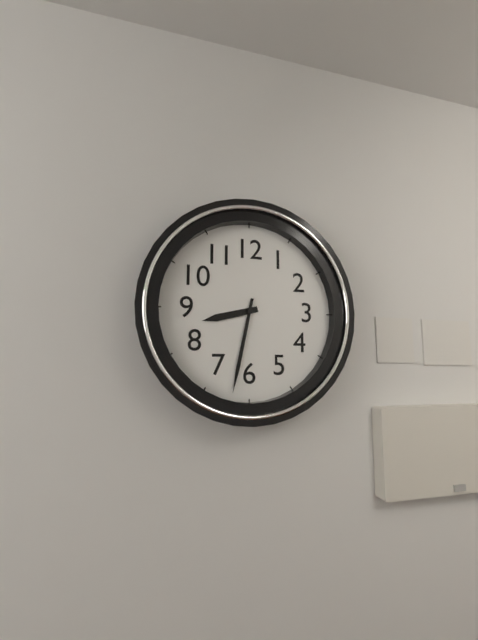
{"hour": 8, "minute": 32}
